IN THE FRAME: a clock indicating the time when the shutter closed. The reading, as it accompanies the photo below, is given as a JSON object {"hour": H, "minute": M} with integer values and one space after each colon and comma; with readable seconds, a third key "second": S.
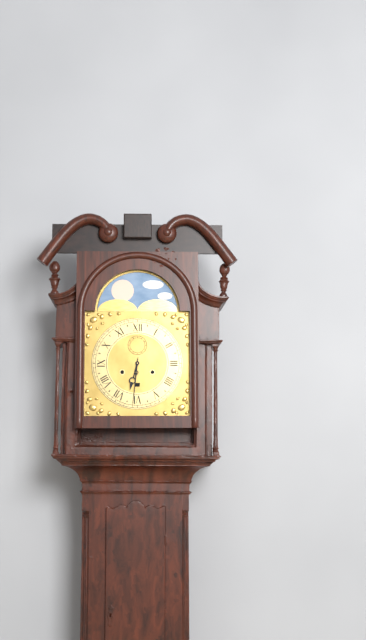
{"hour": 6, "minute": 31}
